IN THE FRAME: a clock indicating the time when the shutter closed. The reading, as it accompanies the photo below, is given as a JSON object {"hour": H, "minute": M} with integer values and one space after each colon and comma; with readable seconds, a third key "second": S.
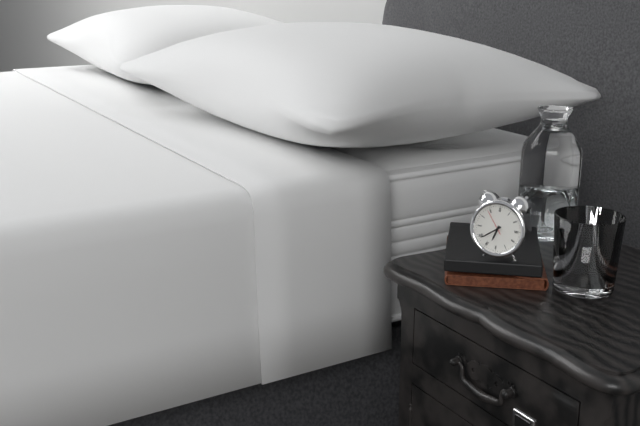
{"hour": 6, "minute": 39}
